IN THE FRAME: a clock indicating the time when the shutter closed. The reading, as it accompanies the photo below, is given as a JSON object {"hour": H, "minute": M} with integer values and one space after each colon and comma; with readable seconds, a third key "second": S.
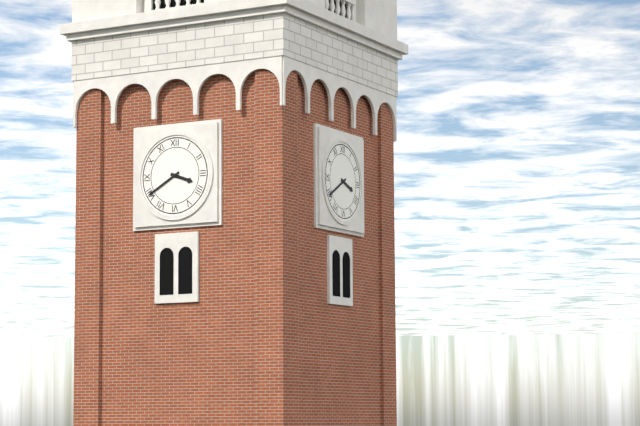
{"hour": 3, "minute": 40}
